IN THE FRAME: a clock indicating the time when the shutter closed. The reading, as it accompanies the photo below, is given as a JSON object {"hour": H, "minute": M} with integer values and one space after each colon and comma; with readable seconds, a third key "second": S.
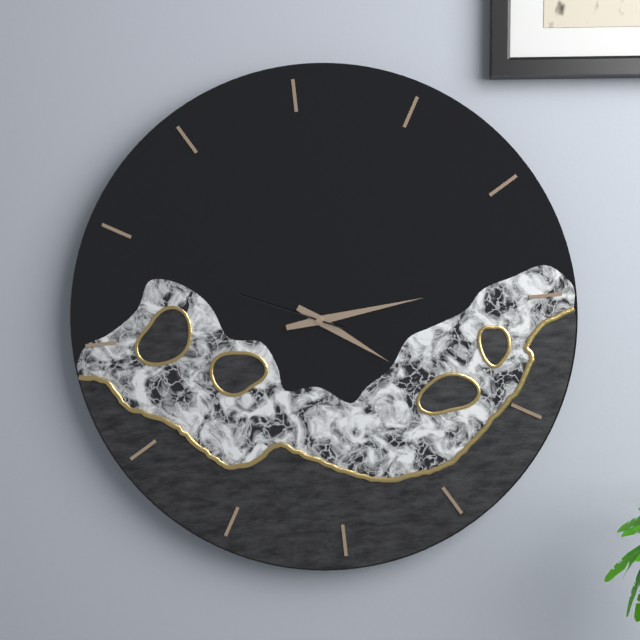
{"hour": 4, "minute": 14, "second": 49}
